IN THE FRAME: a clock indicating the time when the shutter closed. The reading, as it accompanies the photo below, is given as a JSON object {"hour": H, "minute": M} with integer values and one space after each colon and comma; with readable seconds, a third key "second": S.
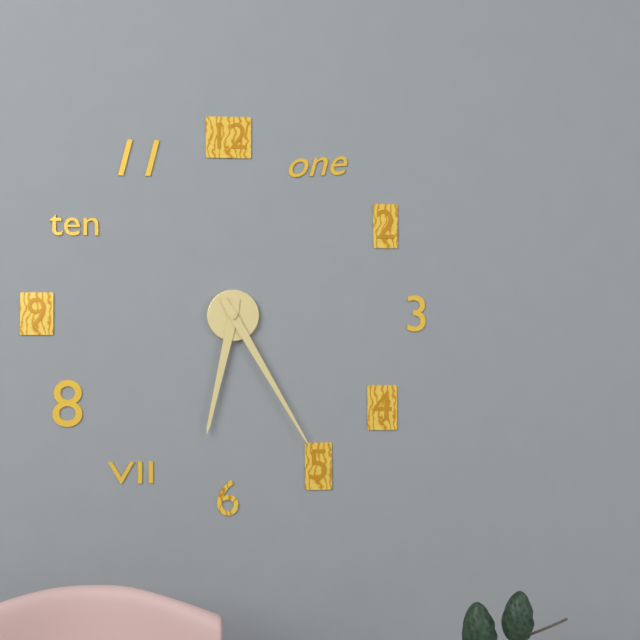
{"hour": 6, "minute": 25}
